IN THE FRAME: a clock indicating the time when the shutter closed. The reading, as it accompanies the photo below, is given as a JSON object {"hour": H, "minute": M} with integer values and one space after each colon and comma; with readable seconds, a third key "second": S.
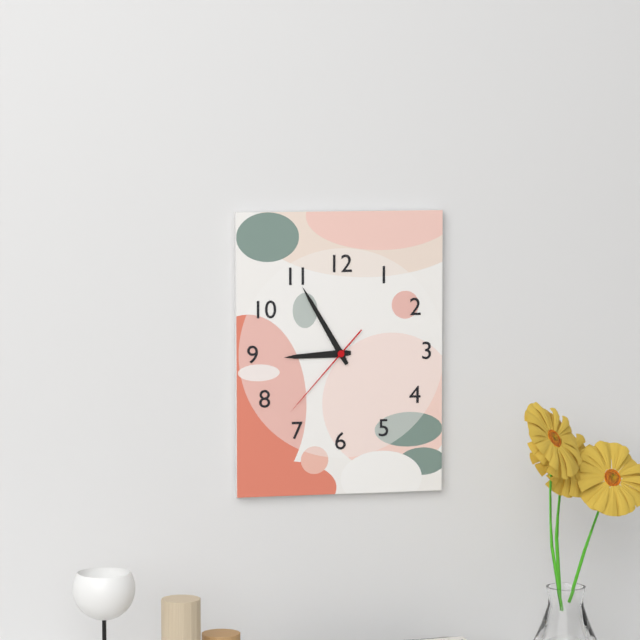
{"hour": 8, "minute": 55, "second": 37}
